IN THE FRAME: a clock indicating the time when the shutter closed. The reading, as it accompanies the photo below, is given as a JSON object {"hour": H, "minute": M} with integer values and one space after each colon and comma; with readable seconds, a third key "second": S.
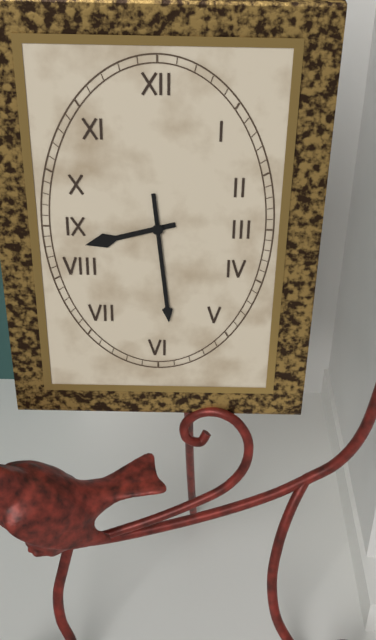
{"hour": 8, "minute": 29}
